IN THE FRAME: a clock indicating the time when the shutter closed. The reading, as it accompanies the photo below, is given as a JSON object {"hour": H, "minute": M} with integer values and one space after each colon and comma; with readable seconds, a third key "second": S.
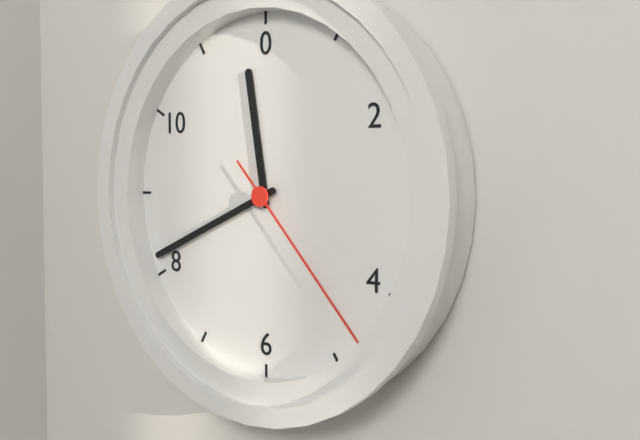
{"hour": 11, "minute": 41, "second": 23}
